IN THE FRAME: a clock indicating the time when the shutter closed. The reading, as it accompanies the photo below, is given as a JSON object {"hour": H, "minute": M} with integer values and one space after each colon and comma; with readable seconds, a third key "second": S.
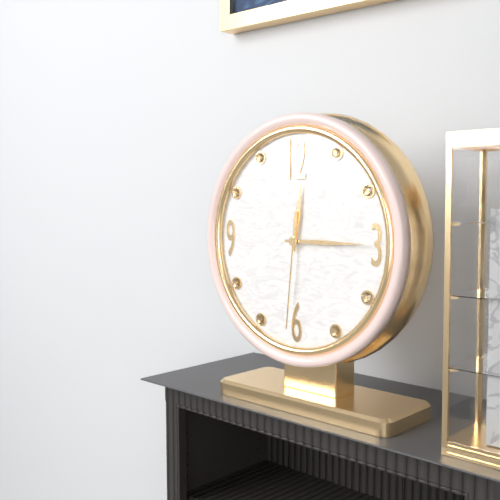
{"hour": 12, "minute": 15, "second": 31}
